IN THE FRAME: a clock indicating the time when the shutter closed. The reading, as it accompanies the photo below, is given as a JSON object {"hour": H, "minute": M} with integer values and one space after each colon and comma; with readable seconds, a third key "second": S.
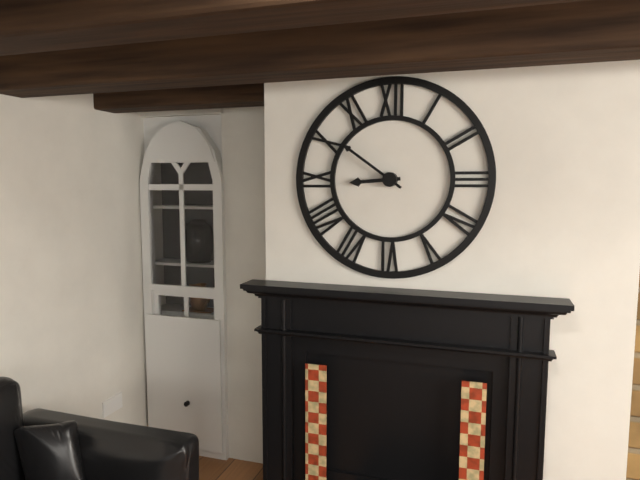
{"hour": 8, "minute": 51}
